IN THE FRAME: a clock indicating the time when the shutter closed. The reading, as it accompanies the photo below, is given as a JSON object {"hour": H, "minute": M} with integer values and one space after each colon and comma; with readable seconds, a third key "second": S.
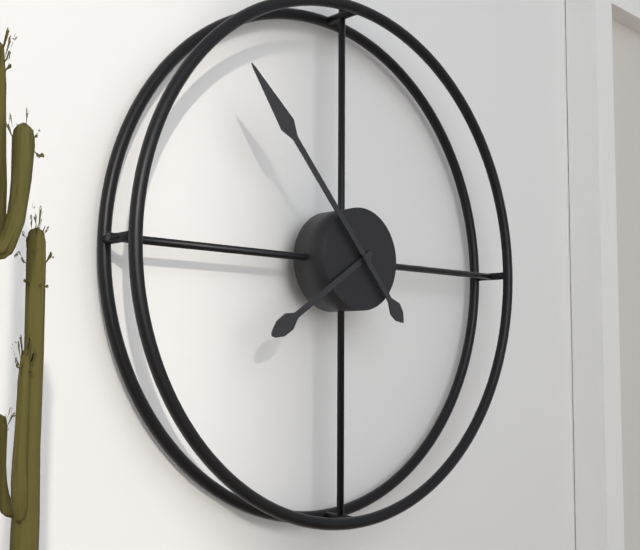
{"hour": 7, "minute": 53}
